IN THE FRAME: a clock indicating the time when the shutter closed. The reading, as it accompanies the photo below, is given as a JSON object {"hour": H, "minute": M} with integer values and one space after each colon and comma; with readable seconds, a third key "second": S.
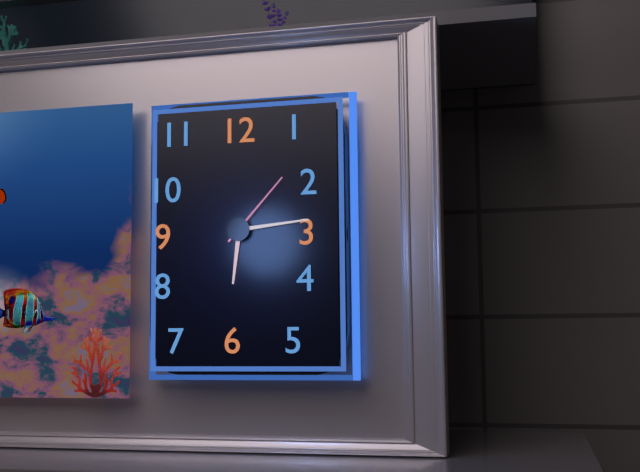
{"hour": 6, "minute": 14, "second": 7}
